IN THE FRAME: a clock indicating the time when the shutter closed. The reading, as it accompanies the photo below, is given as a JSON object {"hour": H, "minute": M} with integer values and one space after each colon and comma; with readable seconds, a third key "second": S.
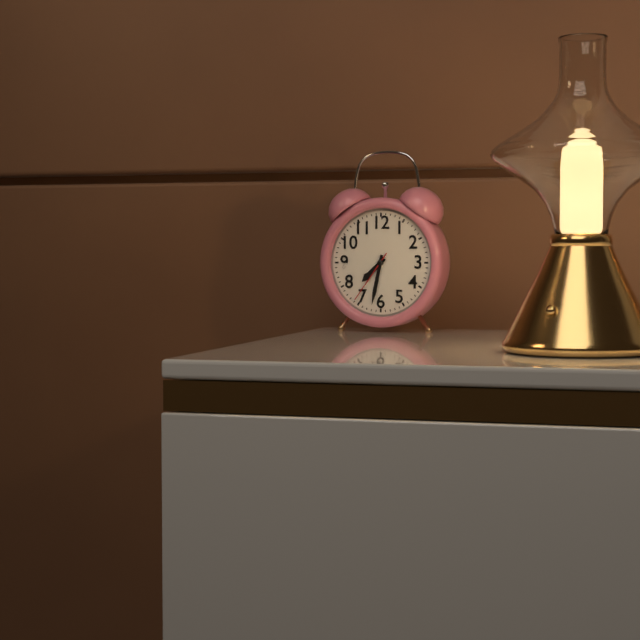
{"hour": 7, "minute": 32, "second": 36}
